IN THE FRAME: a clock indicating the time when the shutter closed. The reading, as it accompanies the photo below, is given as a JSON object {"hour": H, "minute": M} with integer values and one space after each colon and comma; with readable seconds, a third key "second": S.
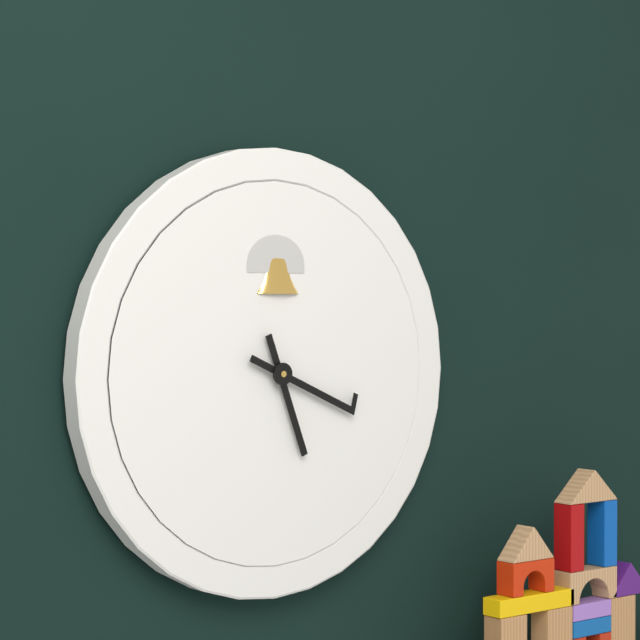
{"hour": 5, "minute": 19}
